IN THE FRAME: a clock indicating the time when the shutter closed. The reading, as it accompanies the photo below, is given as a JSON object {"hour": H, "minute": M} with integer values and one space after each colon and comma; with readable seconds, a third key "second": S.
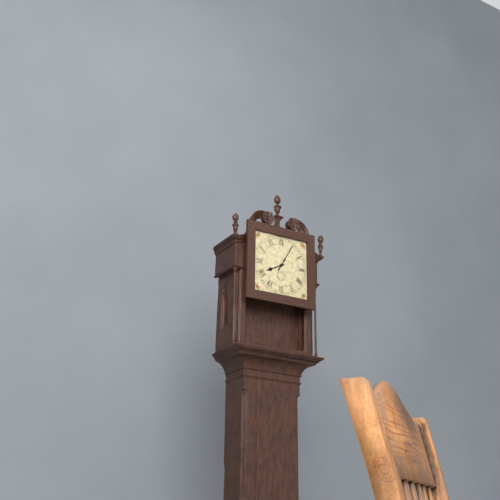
{"hour": 8, "minute": 5}
